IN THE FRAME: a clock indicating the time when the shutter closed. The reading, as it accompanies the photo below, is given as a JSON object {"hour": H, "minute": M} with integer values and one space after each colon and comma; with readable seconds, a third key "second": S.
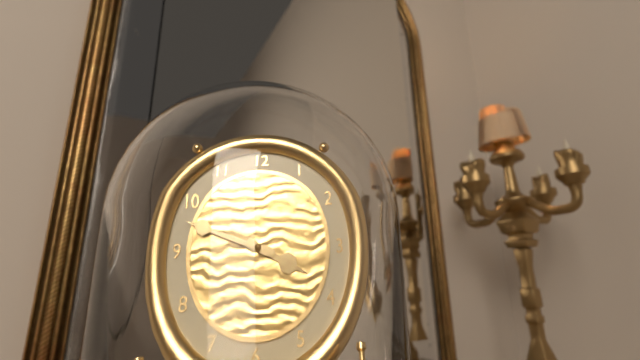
{"hour": 3, "minute": 48}
